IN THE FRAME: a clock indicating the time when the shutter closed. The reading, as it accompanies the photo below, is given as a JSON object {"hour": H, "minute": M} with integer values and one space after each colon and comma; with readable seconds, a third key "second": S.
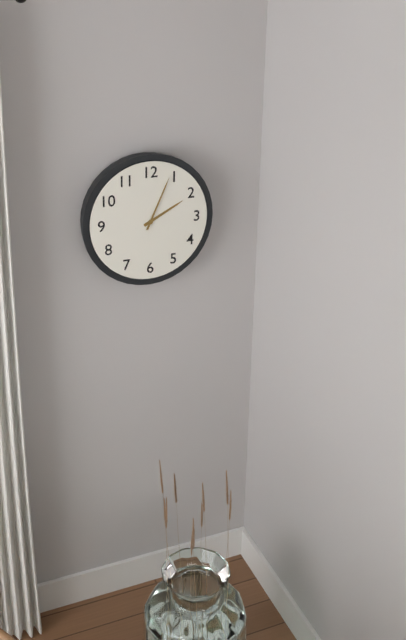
{"hour": 2, "minute": 4}
